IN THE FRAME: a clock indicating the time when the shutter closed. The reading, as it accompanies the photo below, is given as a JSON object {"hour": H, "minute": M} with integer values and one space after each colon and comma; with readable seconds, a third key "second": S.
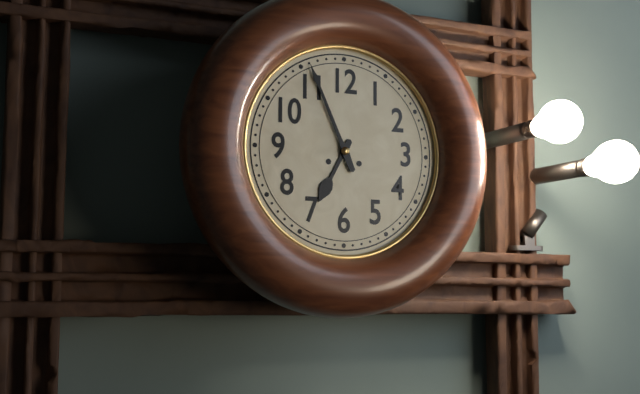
{"hour": 6, "minute": 56}
